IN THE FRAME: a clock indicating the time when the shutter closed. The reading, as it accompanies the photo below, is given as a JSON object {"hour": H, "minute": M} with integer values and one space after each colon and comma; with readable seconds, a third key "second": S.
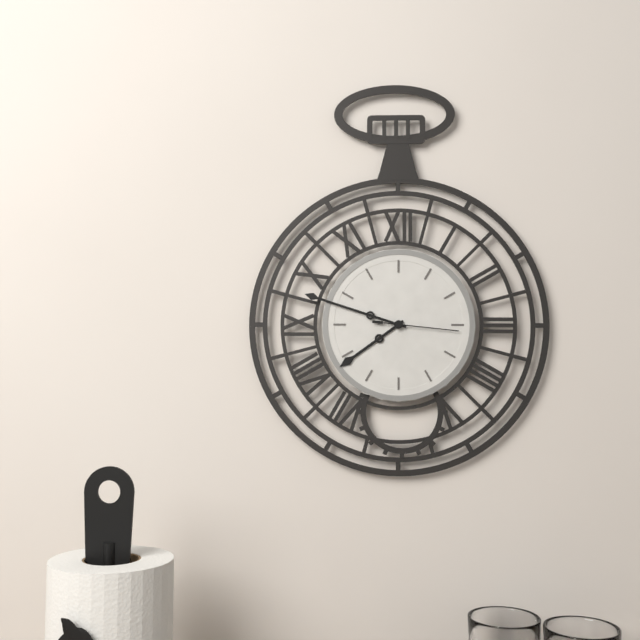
{"hour": 7, "minute": 48, "second": 16}
